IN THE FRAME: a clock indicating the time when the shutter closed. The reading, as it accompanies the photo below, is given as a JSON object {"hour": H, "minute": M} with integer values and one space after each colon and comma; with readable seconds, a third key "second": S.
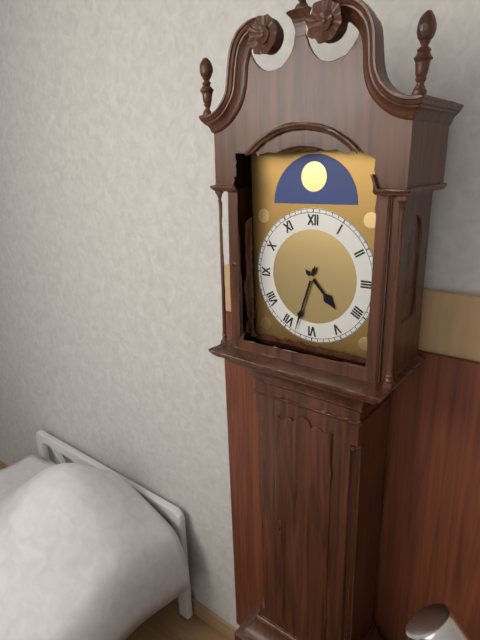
{"hour": 4, "minute": 33}
